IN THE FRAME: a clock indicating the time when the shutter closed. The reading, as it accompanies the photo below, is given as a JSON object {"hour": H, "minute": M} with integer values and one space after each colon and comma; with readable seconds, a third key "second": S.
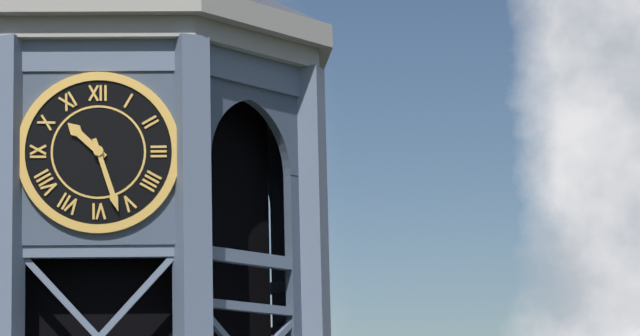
{"hour": 10, "minute": 27}
